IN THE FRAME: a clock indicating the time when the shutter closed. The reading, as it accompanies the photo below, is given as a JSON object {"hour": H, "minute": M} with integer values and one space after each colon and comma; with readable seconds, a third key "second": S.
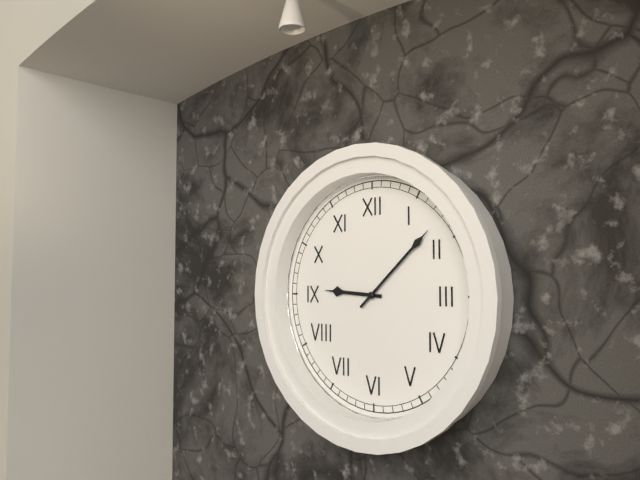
{"hour": 9, "minute": 8}
